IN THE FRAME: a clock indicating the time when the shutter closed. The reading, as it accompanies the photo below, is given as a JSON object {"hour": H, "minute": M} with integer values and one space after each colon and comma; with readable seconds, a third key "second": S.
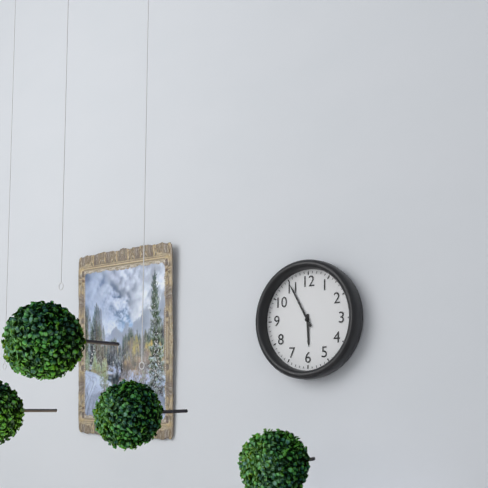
{"hour": 5, "minute": 55}
